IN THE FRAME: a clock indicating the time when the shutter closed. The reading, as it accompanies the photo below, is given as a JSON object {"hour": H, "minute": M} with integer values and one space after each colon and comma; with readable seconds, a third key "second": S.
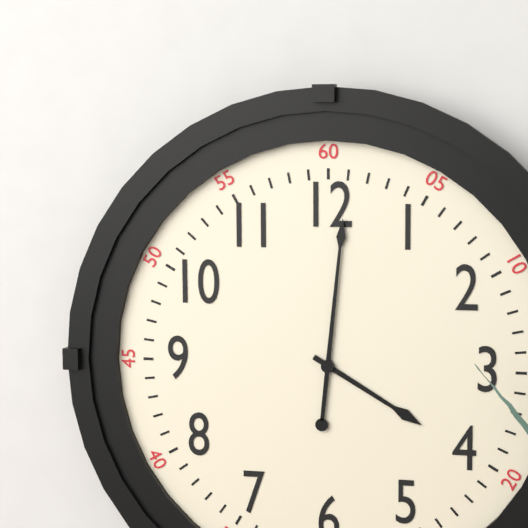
{"hour": 4, "minute": 1}
